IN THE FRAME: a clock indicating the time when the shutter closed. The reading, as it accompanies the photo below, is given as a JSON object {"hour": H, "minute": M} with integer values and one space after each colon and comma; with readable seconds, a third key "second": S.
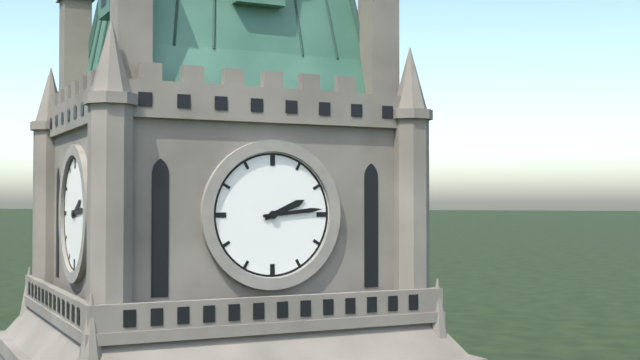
{"hour": 2, "minute": 14}
